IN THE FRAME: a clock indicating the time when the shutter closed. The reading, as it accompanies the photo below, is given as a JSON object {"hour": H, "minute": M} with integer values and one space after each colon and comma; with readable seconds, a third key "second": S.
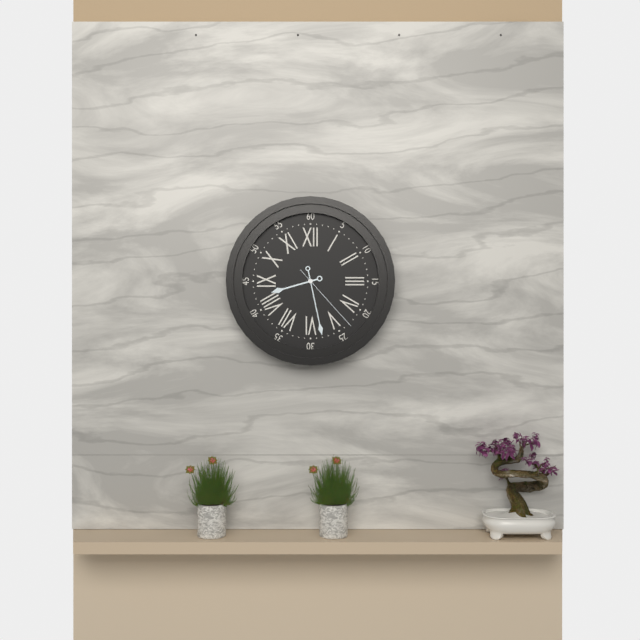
{"hour": 8, "minute": 28, "second": 23}
